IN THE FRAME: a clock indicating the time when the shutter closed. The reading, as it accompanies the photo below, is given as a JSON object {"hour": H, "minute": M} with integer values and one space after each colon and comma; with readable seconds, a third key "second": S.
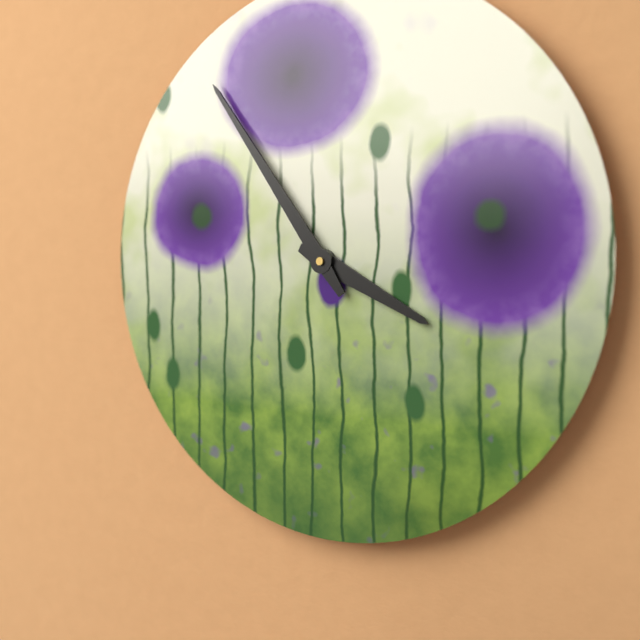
{"hour": 3, "minute": 54}
